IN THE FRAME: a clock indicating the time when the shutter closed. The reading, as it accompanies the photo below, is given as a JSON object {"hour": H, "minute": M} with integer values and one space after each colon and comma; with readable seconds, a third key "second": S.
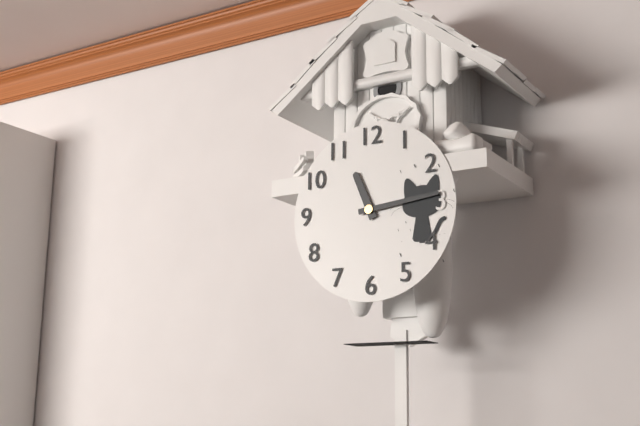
{"hour": 11, "minute": 14}
